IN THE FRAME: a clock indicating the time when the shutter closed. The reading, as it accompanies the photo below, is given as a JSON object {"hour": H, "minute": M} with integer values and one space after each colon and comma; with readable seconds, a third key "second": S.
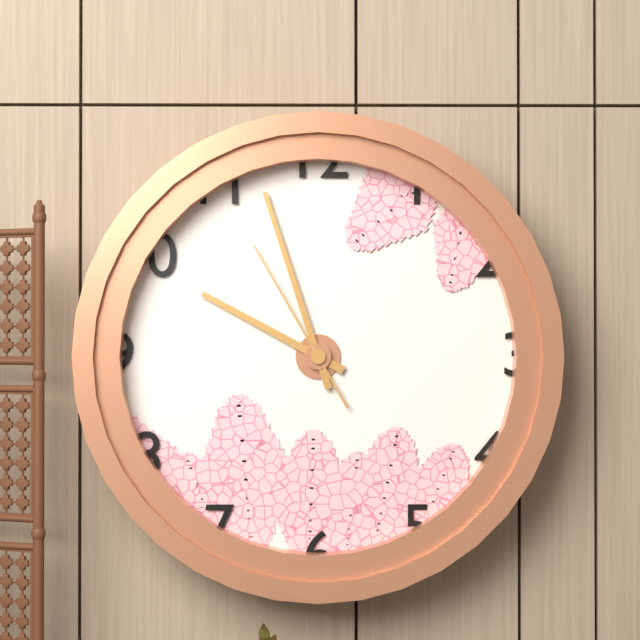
{"hour": 9, "minute": 57, "second": 55}
